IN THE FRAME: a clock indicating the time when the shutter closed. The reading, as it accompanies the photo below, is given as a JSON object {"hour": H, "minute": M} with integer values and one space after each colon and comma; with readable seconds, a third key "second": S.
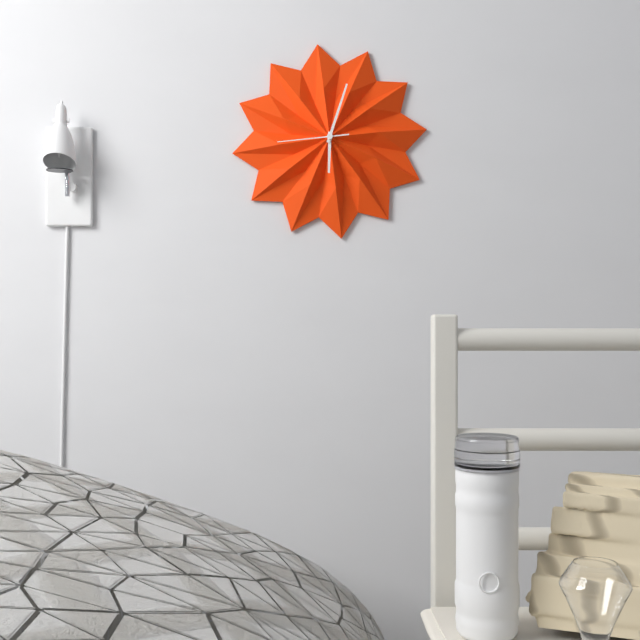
{"hour": 6, "minute": 3, "second": 44}
